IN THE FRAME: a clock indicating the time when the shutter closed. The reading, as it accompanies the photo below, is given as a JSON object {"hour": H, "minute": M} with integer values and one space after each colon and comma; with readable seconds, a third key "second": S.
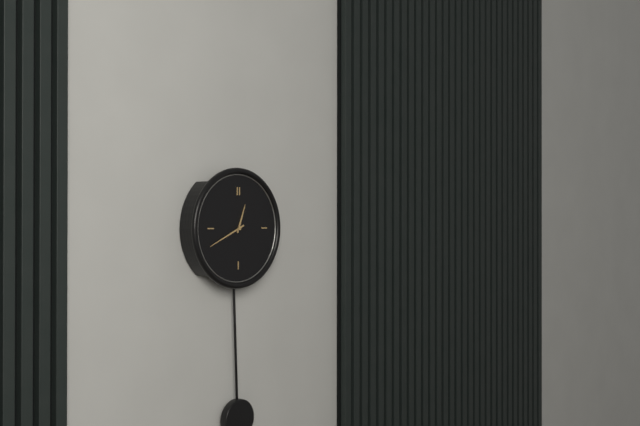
{"hour": 12, "minute": 41}
